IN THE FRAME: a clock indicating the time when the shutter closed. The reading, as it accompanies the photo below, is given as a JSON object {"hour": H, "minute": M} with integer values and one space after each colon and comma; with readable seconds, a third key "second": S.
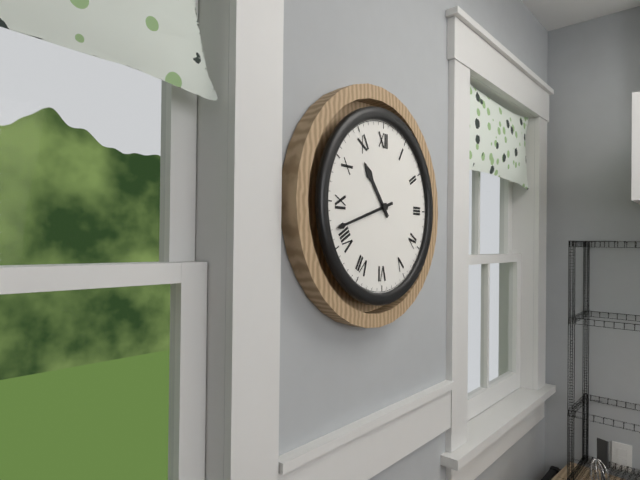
{"hour": 10, "minute": 42}
